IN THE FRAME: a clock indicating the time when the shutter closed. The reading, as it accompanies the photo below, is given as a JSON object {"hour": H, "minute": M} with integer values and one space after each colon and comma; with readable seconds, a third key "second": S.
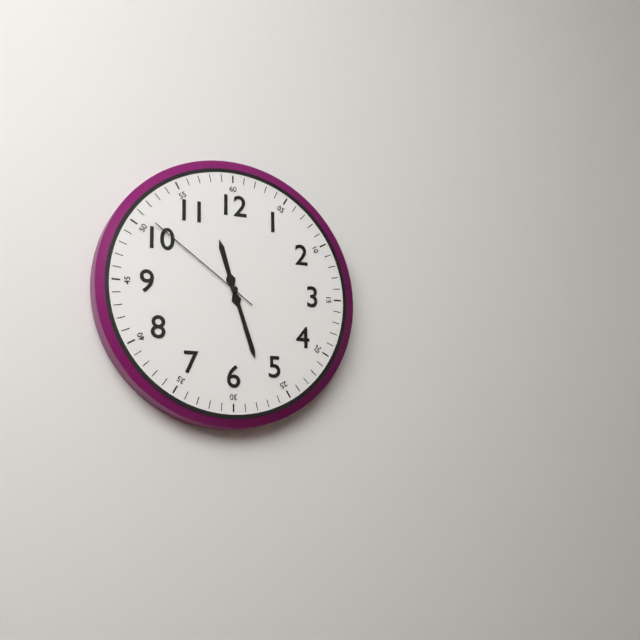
{"hour": 11, "minute": 27, "second": 51}
